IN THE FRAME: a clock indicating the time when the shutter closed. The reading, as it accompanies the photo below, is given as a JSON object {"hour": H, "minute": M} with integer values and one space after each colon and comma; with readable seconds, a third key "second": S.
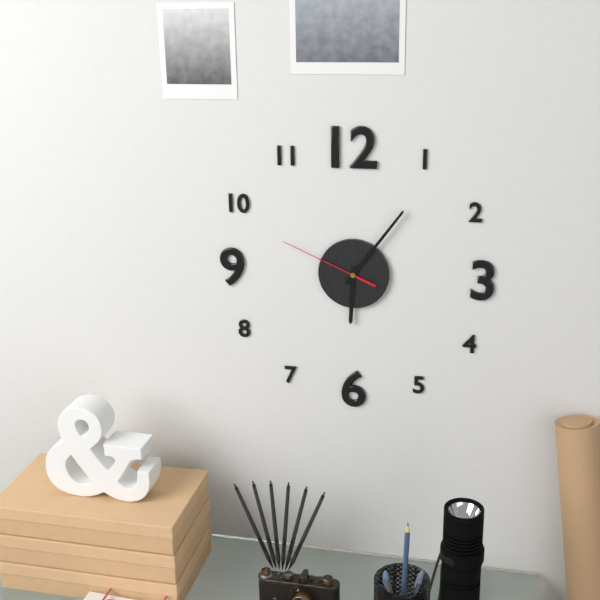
{"hour": 6, "minute": 6, "second": 49}
